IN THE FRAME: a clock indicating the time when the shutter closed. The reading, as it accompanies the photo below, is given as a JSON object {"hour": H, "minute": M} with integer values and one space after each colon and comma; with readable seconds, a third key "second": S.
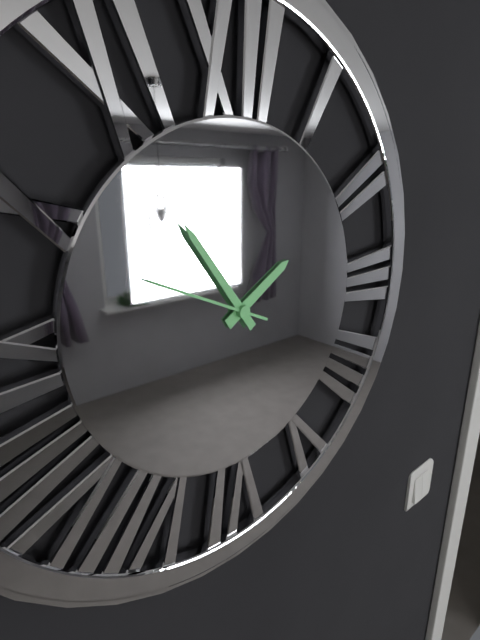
{"hour": 1, "minute": 54, "second": 49}
